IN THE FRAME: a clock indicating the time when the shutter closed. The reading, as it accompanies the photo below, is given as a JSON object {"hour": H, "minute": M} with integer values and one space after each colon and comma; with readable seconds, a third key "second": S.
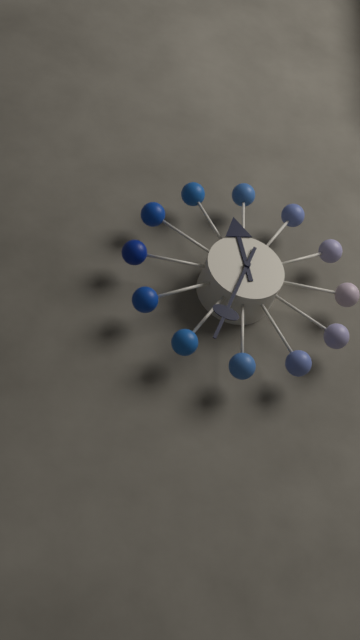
{"hour": 11, "minute": 33}
